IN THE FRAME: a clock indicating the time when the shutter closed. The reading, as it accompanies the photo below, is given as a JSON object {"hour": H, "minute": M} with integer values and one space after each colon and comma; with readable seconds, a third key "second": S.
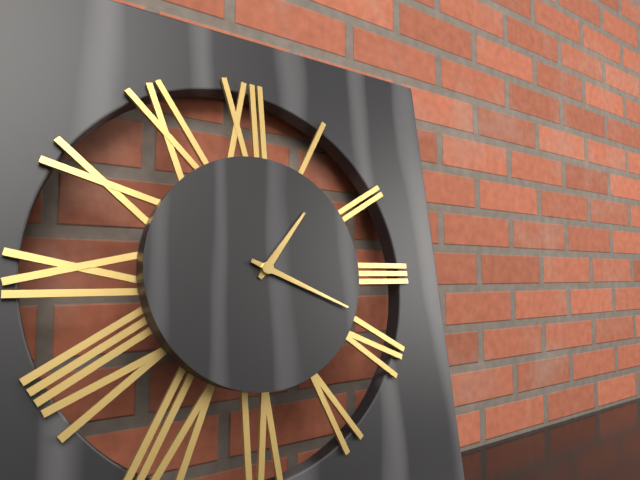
{"hour": 1, "minute": 19}
